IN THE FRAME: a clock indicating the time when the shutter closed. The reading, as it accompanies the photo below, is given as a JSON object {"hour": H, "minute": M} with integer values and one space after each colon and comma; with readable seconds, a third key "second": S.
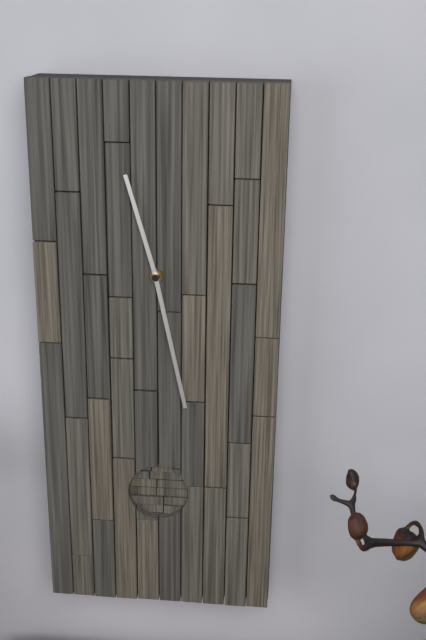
{"hour": 11, "minute": 28}
